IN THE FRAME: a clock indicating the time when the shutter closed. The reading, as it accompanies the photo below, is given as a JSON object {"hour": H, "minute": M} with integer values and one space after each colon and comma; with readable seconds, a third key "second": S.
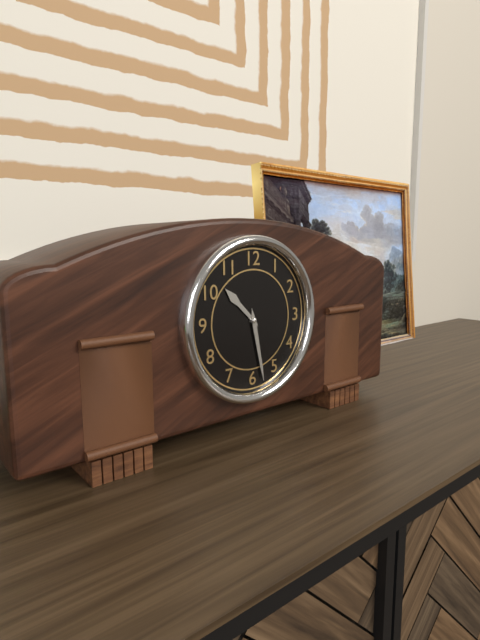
{"hour": 10, "minute": 28}
